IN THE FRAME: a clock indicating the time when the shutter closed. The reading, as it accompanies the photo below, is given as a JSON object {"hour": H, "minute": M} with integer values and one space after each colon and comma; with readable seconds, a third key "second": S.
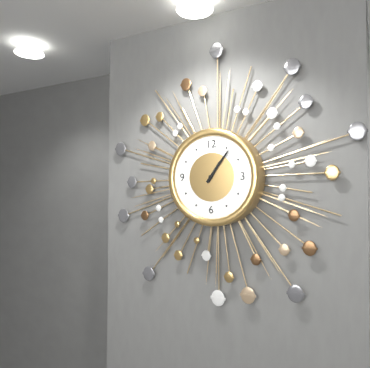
{"hour": 1, "minute": 6}
